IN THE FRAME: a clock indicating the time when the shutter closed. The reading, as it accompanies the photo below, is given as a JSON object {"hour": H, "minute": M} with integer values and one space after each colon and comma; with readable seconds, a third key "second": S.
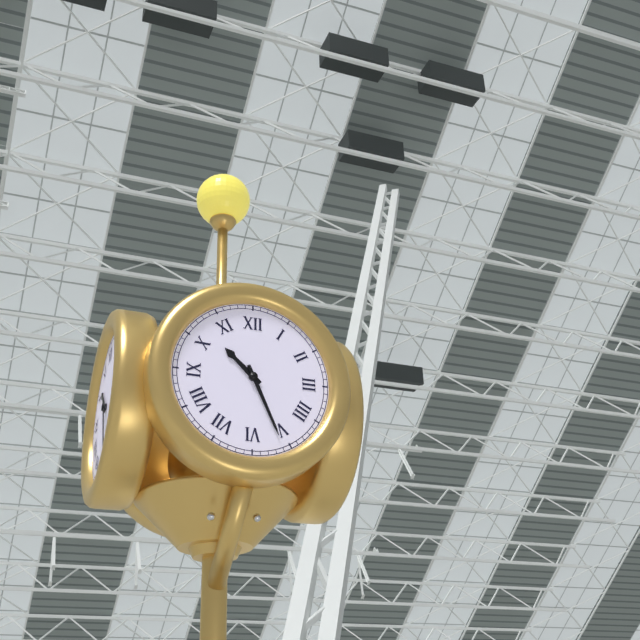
{"hour": 10, "minute": 26}
